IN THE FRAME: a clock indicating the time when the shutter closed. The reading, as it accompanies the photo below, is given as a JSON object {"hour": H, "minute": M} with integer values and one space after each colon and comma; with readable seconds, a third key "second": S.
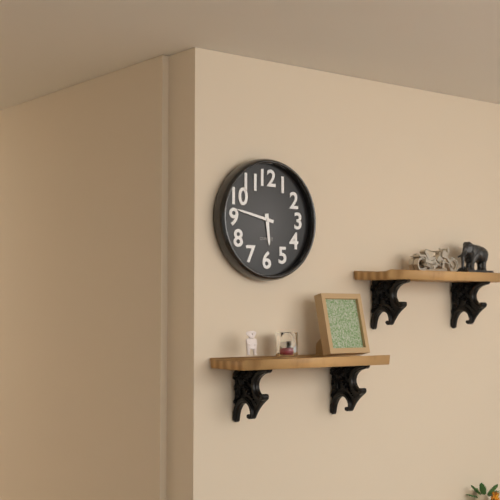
{"hour": 5, "minute": 47}
